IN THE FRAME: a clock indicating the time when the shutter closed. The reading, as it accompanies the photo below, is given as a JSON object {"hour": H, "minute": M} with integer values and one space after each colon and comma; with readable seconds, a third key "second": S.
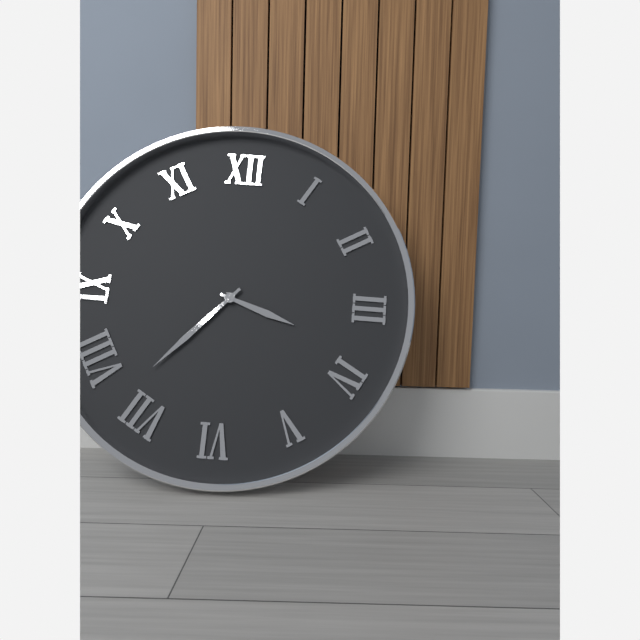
{"hour": 3, "minute": 37}
